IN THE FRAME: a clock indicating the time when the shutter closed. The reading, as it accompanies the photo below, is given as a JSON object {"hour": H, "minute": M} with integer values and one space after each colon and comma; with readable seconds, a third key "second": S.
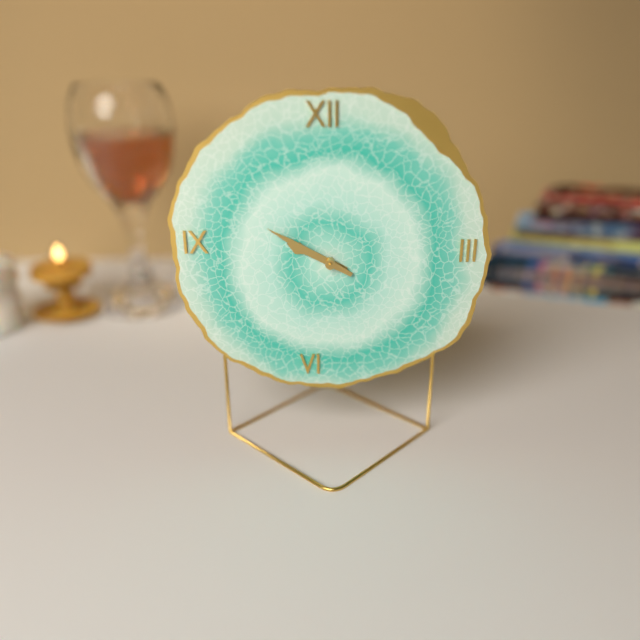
{"hour": 9, "minute": 50}
